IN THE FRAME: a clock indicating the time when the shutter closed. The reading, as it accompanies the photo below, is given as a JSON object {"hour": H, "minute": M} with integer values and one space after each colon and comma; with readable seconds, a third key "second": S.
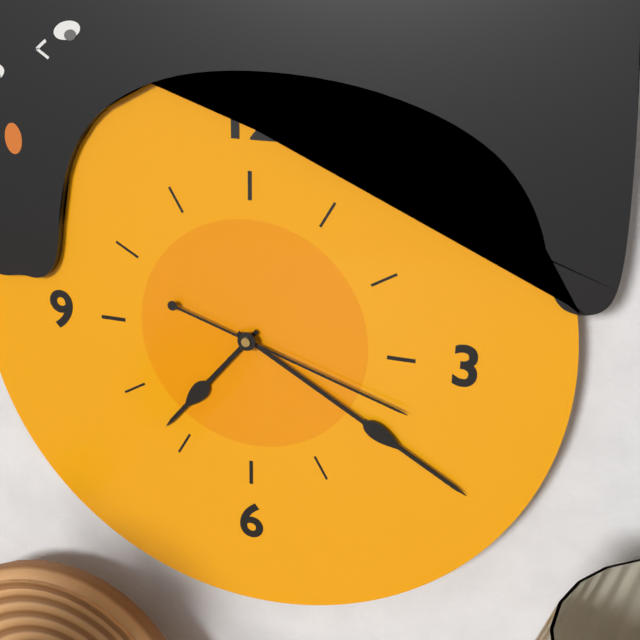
{"hour": 7, "minute": 20, "second": 18}
